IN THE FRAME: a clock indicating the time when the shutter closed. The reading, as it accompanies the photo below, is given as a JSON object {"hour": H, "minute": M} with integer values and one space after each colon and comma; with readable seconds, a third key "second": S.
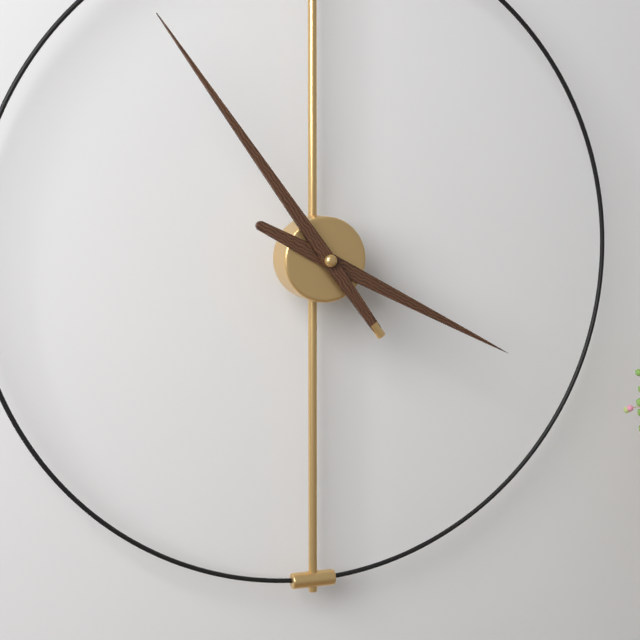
{"hour": 3, "minute": 54}
